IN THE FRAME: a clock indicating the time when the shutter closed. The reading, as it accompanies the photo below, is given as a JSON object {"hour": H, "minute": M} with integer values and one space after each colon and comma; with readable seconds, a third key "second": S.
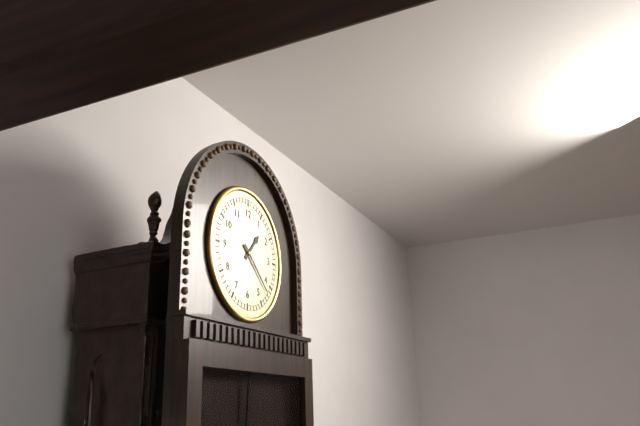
{"hour": 1, "minute": 22}
